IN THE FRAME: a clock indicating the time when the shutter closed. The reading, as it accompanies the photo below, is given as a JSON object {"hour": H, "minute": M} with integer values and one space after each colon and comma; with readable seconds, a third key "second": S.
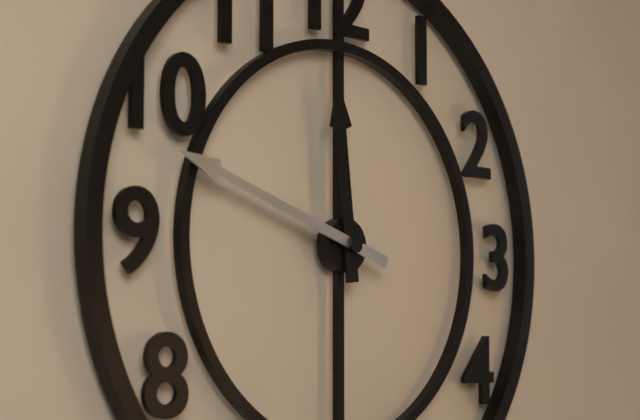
{"hour": 11, "minute": 48}
